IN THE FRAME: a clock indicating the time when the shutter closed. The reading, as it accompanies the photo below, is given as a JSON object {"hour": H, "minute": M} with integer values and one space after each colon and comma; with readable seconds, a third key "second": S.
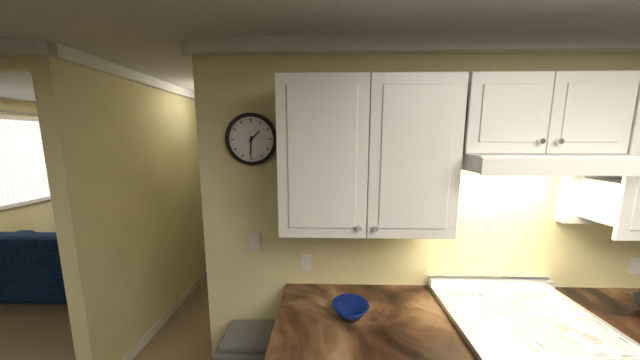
{"hour": 1, "minute": 31}
